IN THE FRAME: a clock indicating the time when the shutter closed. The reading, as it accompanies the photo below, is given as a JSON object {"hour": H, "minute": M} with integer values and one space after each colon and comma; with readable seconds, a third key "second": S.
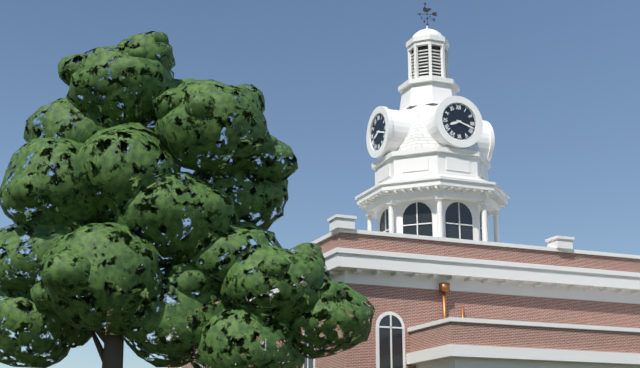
{"hour": 8, "minute": 18}
